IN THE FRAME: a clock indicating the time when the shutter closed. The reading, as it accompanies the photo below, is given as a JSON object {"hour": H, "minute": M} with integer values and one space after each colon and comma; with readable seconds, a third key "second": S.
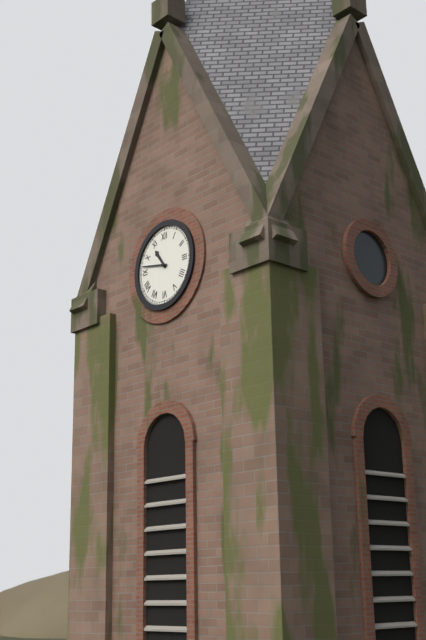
{"hour": 10, "minute": 47}
